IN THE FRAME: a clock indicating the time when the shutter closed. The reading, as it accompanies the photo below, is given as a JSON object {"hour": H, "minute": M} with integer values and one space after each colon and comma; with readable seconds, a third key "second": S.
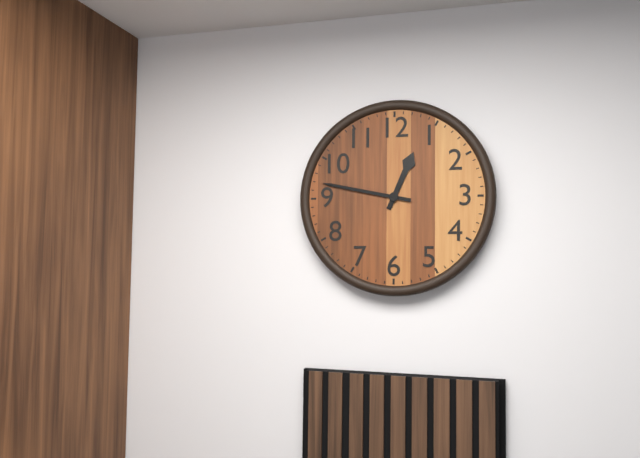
{"hour": 12, "minute": 47}
